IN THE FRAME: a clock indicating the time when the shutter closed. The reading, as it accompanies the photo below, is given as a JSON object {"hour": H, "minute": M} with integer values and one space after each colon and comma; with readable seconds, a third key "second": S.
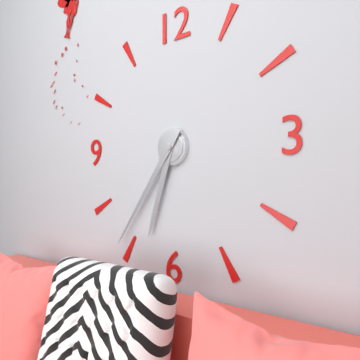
{"hour": 6, "minute": 36}
